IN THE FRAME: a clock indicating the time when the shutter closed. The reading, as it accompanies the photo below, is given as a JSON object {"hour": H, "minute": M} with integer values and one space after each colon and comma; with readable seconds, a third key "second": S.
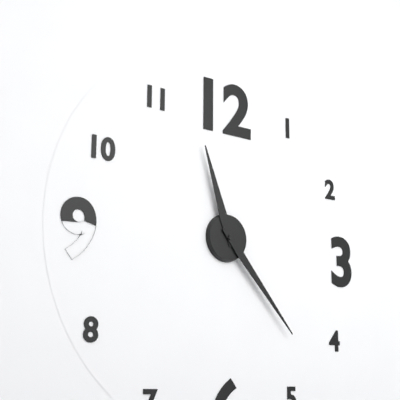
{"hour": 11, "minute": 23}
